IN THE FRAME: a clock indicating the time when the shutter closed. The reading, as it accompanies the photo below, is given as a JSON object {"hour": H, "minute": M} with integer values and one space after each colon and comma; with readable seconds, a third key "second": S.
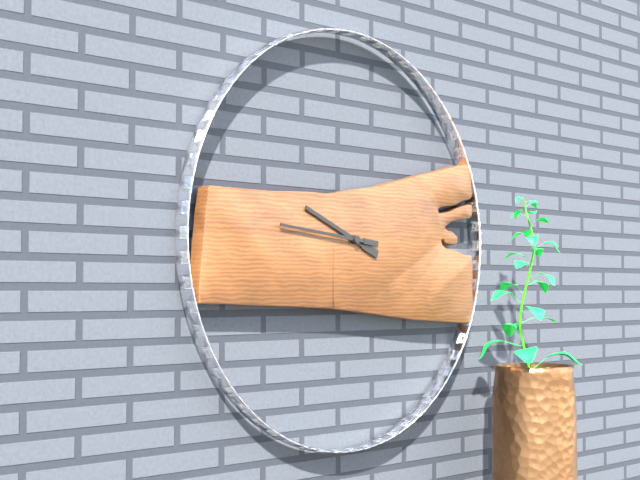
{"hour": 9, "minute": 46}
